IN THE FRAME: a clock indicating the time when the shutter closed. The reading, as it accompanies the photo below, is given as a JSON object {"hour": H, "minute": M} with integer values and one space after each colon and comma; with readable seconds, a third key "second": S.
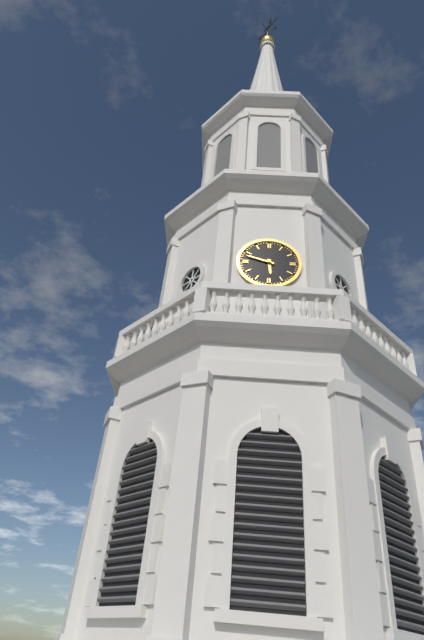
{"hour": 5, "minute": 48}
